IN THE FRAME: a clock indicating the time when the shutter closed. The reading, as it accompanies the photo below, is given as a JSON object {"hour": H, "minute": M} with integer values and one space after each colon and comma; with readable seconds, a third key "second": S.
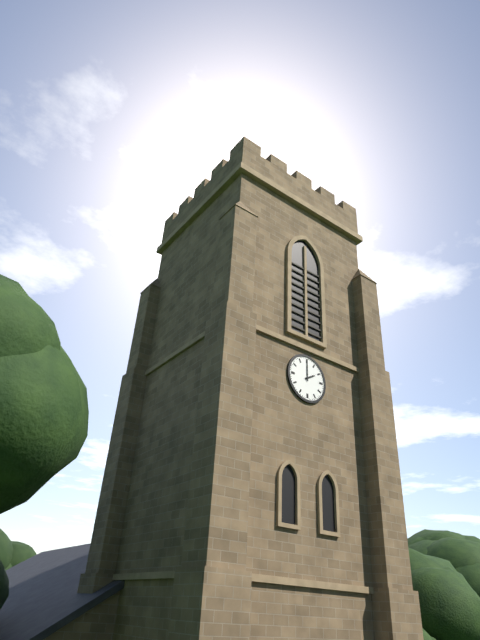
{"hour": 2, "minute": 0}
